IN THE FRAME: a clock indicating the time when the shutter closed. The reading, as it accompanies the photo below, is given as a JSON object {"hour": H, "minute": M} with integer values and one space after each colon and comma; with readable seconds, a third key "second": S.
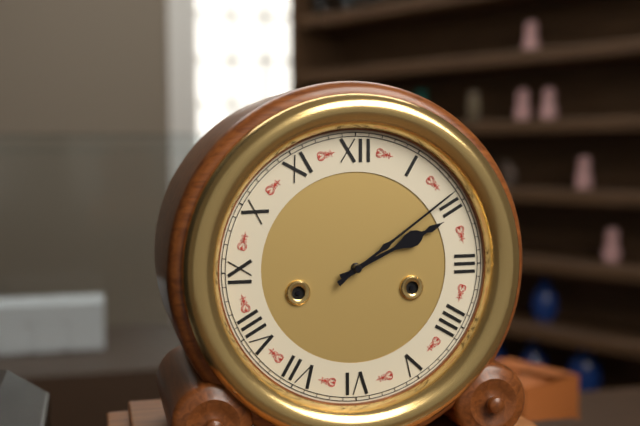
{"hour": 2, "minute": 9}
